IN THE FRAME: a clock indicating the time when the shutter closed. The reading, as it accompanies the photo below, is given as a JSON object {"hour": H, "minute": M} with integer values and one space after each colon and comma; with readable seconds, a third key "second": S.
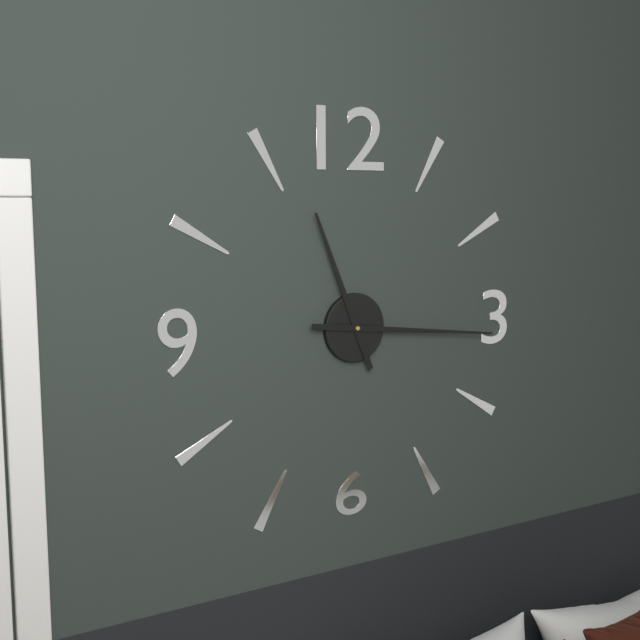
{"hour": 11, "minute": 16}
